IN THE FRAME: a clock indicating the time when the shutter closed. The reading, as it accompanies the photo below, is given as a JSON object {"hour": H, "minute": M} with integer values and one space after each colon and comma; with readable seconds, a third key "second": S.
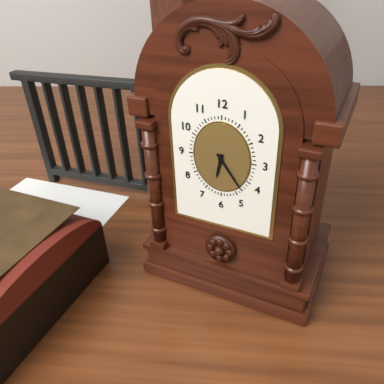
{"hour": 6, "minute": 24}
